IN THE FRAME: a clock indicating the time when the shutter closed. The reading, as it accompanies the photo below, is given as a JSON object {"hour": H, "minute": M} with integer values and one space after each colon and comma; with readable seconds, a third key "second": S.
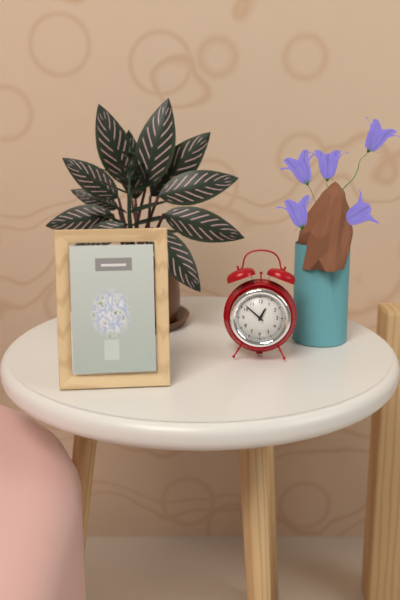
{"hour": 12, "minute": 52}
